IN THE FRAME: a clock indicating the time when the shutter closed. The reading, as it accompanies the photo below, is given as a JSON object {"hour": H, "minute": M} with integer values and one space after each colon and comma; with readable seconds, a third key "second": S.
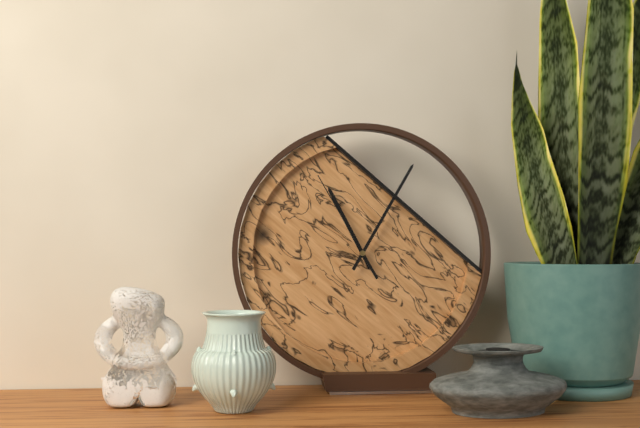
{"hour": 11, "minute": 5, "second": 55}
